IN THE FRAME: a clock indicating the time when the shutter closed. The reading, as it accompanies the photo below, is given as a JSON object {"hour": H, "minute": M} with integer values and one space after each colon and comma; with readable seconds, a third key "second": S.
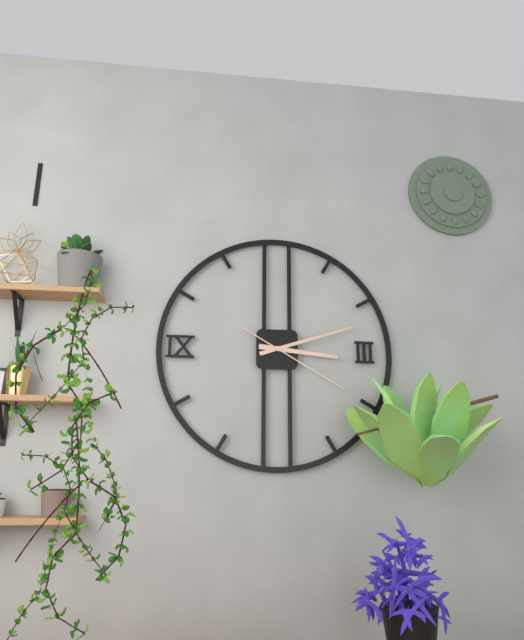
{"hour": 3, "minute": 12, "second": 20}
